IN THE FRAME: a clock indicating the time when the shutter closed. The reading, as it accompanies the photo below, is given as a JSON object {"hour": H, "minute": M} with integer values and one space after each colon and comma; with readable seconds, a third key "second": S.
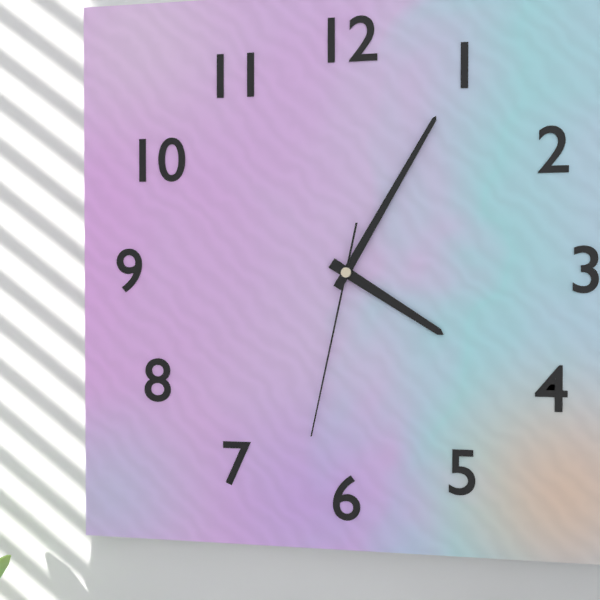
{"hour": 4, "minute": 5, "second": 32}
